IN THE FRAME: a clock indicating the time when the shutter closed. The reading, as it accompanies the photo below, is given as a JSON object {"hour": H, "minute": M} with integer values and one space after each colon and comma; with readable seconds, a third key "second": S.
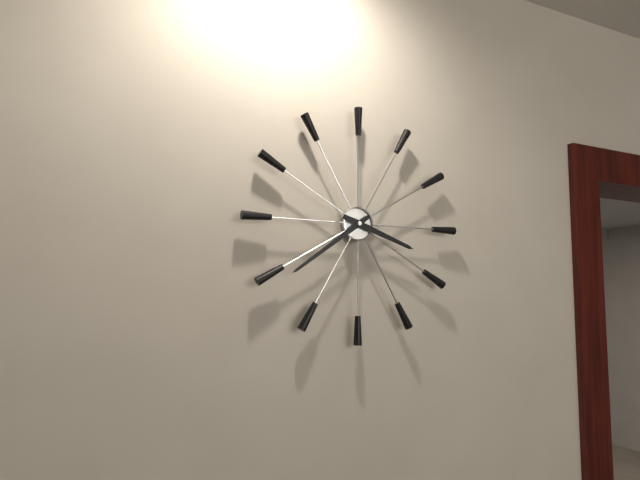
{"hour": 3, "minute": 39}
